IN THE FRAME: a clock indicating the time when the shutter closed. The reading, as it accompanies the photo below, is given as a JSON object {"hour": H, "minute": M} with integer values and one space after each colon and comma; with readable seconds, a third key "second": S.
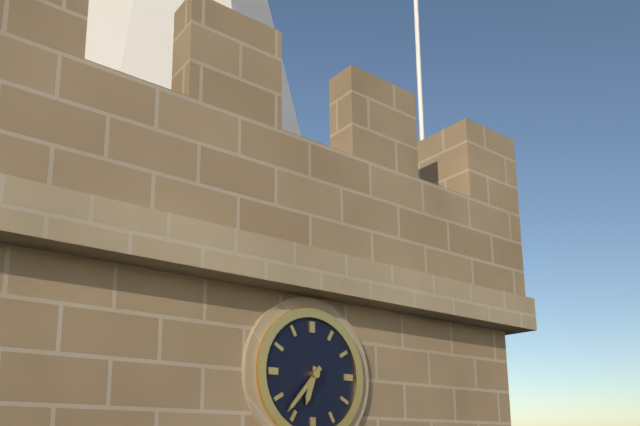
{"hour": 6, "minute": 37}
